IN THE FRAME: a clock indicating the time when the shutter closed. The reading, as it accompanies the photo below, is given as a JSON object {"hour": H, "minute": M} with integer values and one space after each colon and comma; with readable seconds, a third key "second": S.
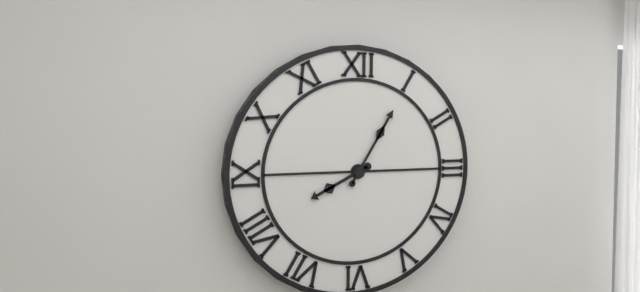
{"hour": 8, "minute": 5}
